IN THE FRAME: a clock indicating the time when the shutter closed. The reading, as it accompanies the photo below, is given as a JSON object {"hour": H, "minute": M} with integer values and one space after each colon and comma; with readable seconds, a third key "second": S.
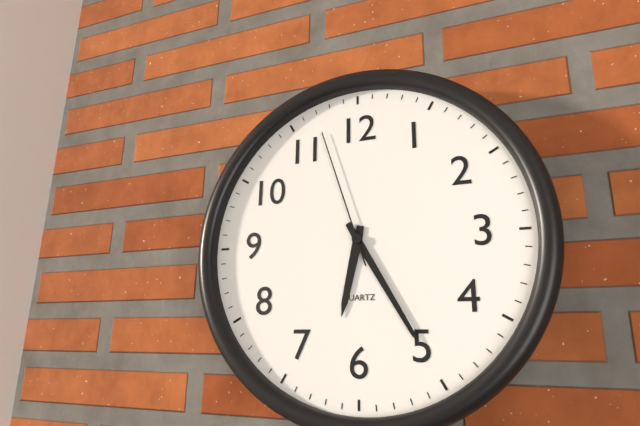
{"hour": 6, "minute": 25, "second": 57}
